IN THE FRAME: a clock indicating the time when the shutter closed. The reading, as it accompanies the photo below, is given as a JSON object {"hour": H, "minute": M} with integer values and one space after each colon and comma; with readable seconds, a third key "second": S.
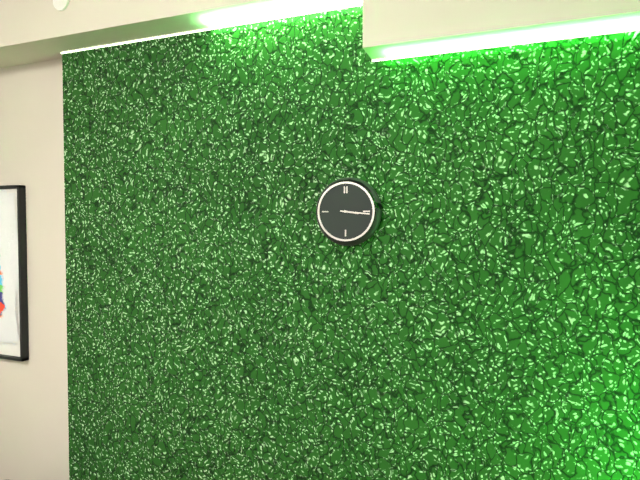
{"hour": 3, "minute": 16}
